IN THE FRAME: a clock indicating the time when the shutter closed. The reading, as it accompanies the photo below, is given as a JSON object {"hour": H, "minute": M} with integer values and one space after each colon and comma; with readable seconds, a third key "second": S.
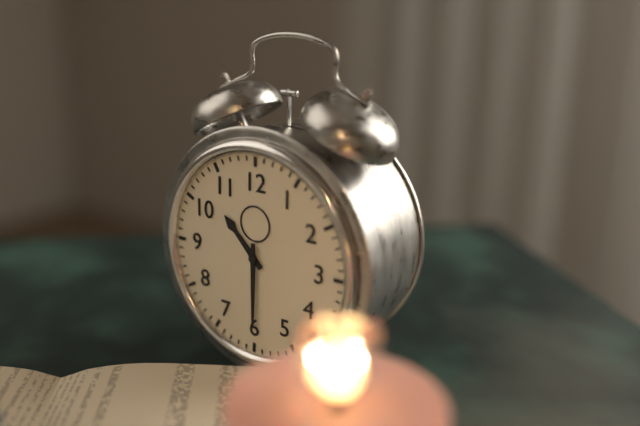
{"hour": 10, "minute": 30}
